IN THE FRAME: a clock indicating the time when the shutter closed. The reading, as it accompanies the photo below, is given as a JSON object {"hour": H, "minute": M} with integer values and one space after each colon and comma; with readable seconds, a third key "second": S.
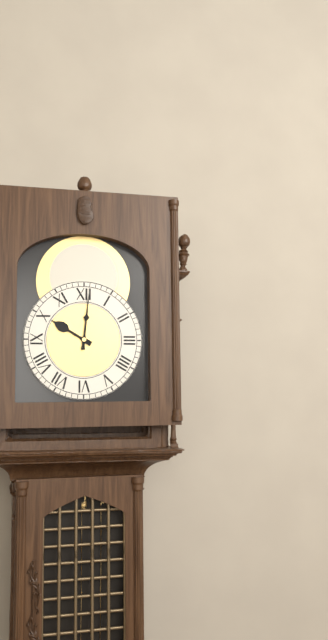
{"hour": 10, "minute": 1}
